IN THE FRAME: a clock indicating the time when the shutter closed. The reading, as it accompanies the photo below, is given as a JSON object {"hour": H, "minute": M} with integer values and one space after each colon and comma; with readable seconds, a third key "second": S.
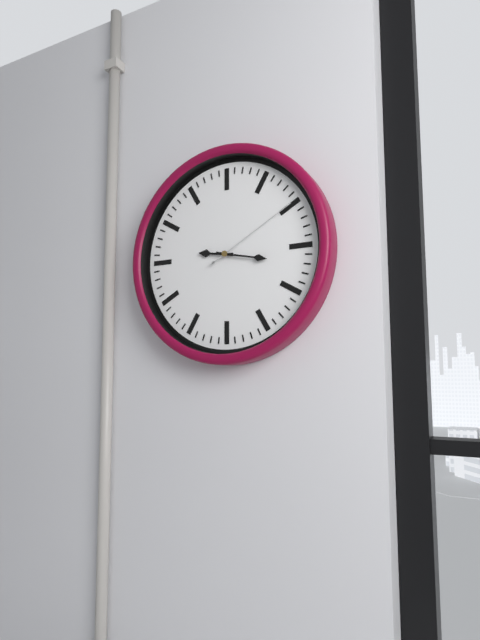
{"hour": 9, "minute": 17, "second": 10}
